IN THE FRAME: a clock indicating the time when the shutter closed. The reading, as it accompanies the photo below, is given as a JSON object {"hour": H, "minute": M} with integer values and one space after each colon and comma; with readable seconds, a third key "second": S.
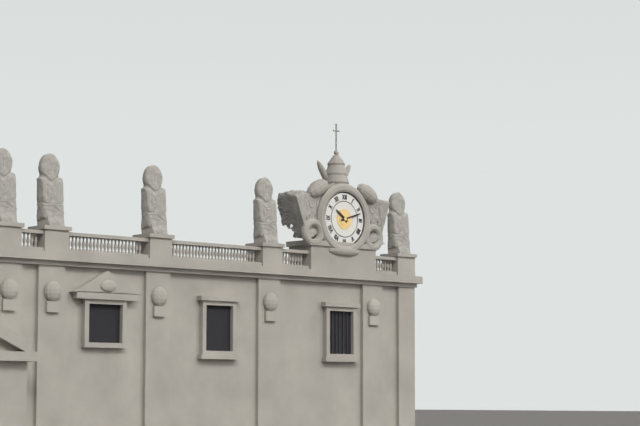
{"hour": 10, "minute": 12}
